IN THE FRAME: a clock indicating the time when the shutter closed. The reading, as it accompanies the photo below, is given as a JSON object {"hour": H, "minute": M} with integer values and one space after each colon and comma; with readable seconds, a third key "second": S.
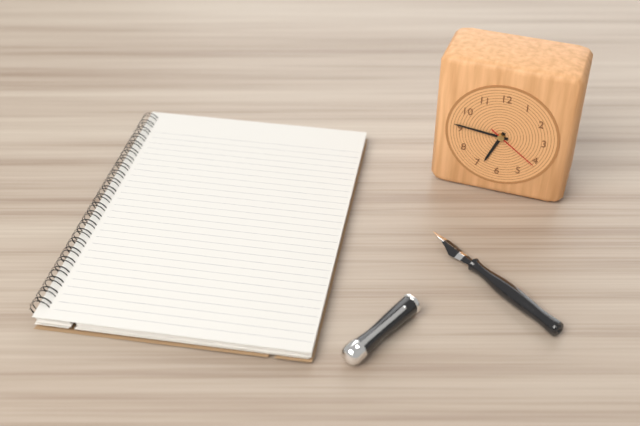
{"hour": 6, "minute": 46, "second": 21}
